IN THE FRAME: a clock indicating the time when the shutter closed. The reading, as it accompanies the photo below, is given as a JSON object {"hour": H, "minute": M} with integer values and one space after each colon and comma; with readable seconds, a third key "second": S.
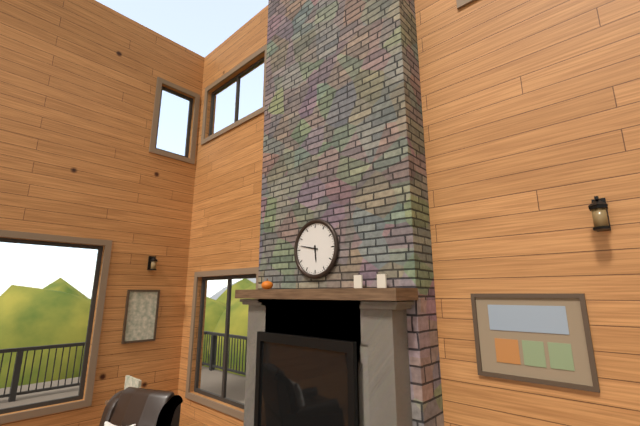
{"hour": 5, "minute": 47}
